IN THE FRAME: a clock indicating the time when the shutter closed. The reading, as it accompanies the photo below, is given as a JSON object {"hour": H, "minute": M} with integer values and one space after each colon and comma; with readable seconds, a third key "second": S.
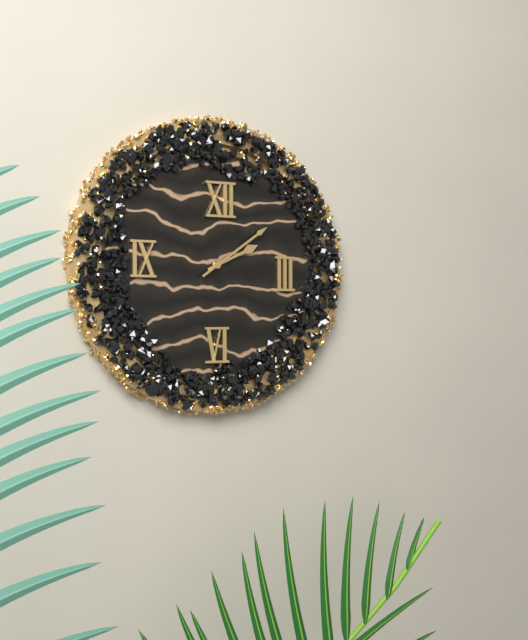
{"hour": 2, "minute": 9}
